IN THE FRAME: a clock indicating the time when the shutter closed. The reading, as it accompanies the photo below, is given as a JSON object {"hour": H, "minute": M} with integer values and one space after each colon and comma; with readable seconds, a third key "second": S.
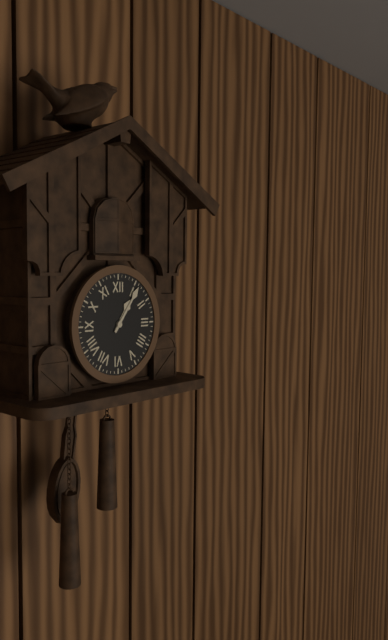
{"hour": 1, "minute": 6}
